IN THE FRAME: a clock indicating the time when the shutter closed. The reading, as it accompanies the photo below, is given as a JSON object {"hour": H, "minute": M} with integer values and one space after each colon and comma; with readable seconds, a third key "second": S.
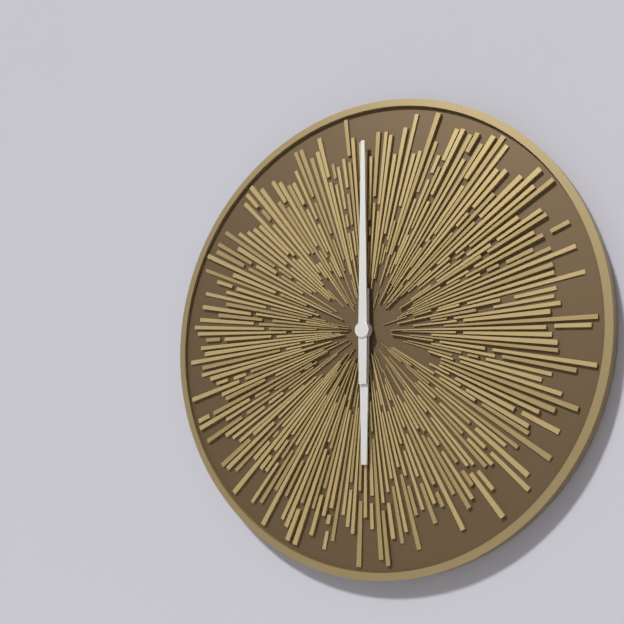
{"hour": 6, "minute": 0}
